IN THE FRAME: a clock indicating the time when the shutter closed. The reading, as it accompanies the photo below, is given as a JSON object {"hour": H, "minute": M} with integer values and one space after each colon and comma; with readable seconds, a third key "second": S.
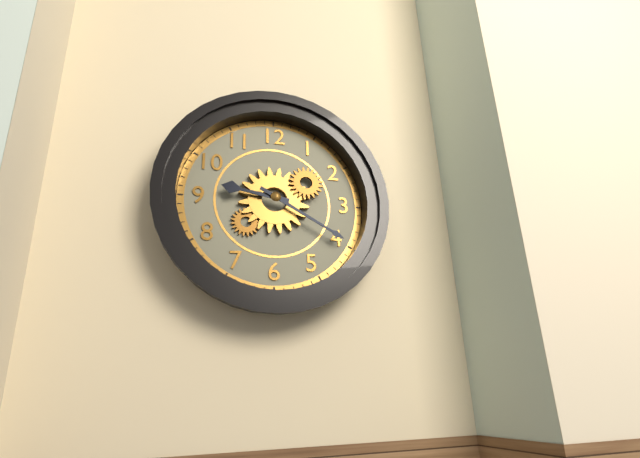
{"hour": 9, "minute": 20}
